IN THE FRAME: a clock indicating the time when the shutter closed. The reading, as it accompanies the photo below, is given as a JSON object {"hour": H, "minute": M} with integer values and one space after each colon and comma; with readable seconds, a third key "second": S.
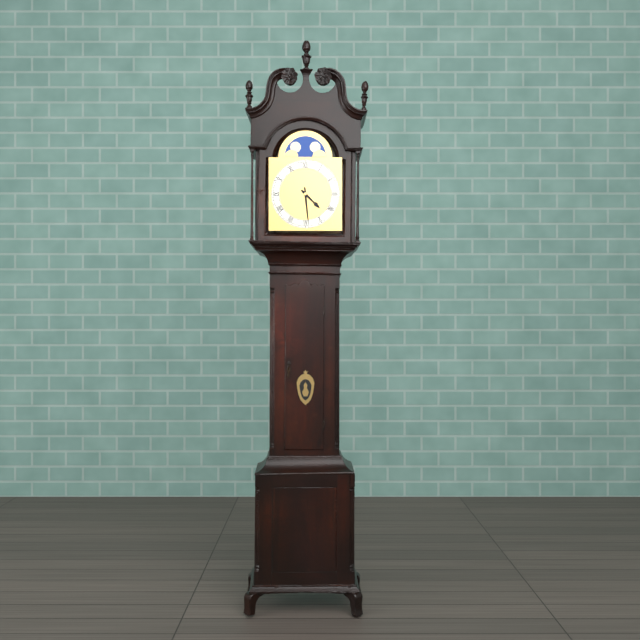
{"hour": 4, "minute": 29}
